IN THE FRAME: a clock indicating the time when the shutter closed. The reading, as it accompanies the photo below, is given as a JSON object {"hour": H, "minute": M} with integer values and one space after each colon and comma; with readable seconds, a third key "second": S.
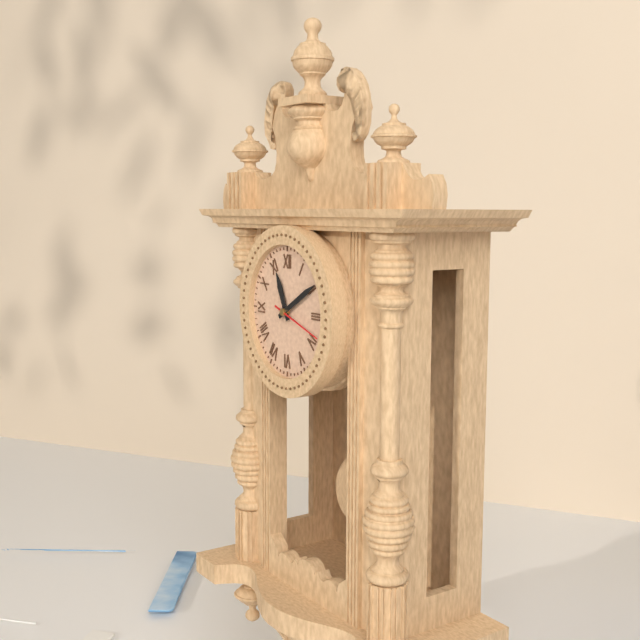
{"hour": 11, "minute": 10}
